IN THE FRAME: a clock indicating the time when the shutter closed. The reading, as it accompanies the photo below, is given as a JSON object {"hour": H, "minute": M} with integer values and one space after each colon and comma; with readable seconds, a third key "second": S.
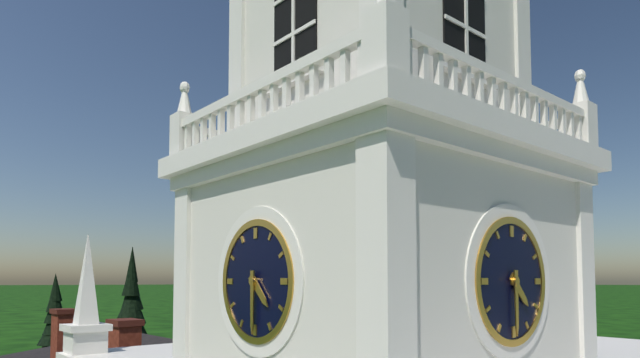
{"hour": 4, "minute": 30}
